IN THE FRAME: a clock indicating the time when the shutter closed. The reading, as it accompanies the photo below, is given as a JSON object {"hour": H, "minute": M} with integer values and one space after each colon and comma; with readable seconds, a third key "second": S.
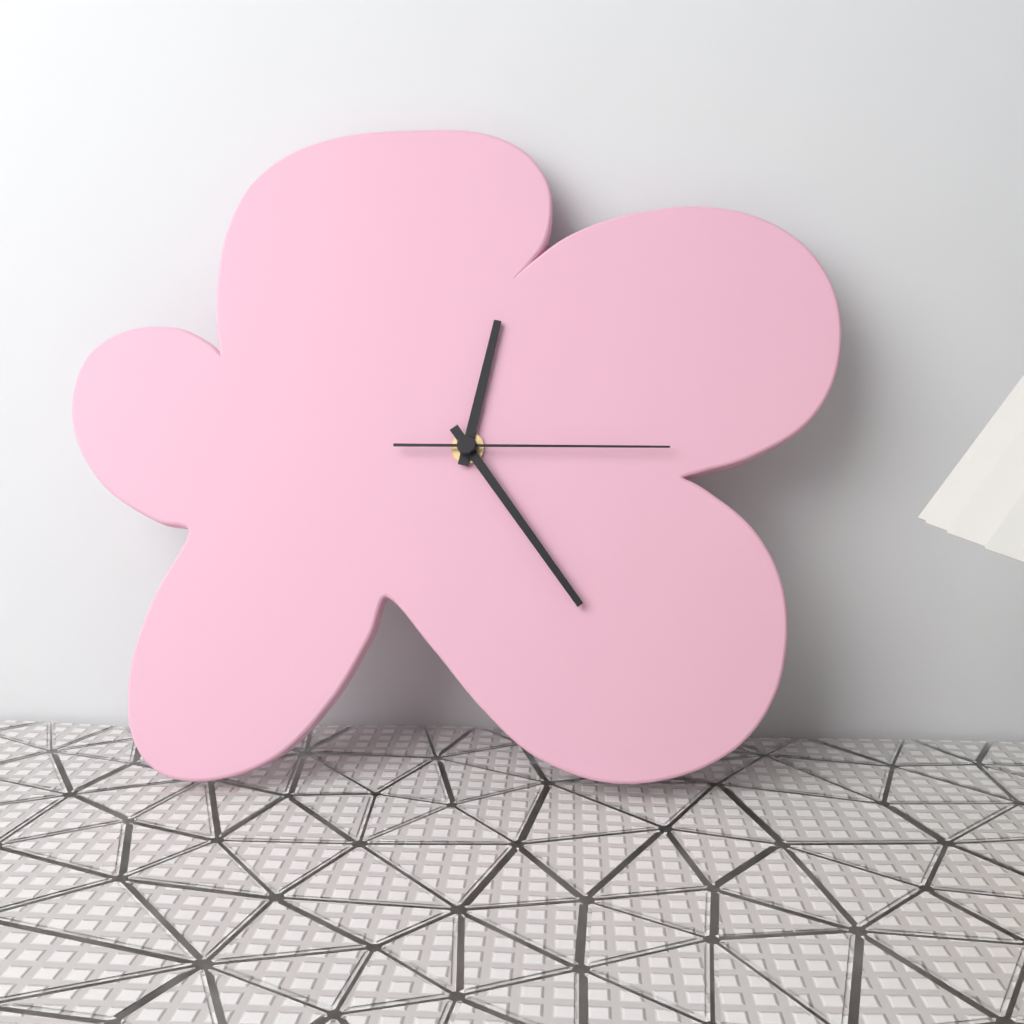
{"hour": 12, "minute": 24, "second": 15}
